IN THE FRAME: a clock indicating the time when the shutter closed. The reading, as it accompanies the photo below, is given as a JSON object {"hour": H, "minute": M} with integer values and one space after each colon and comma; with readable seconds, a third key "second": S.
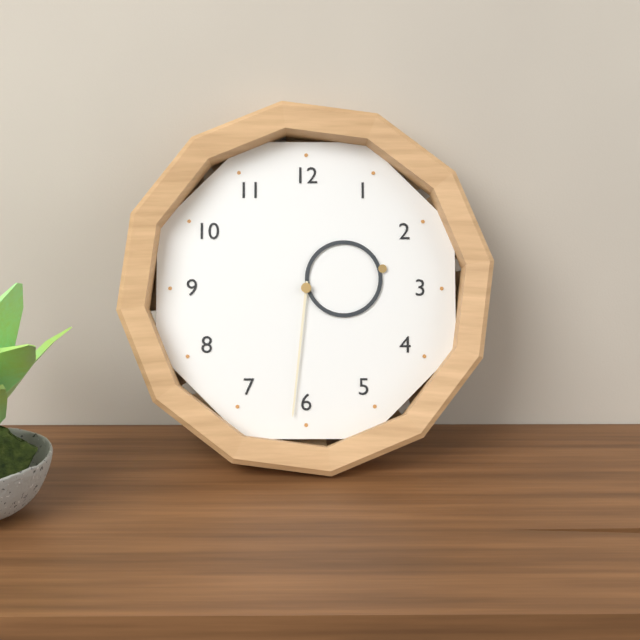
{"hour": 2, "minute": 31}
